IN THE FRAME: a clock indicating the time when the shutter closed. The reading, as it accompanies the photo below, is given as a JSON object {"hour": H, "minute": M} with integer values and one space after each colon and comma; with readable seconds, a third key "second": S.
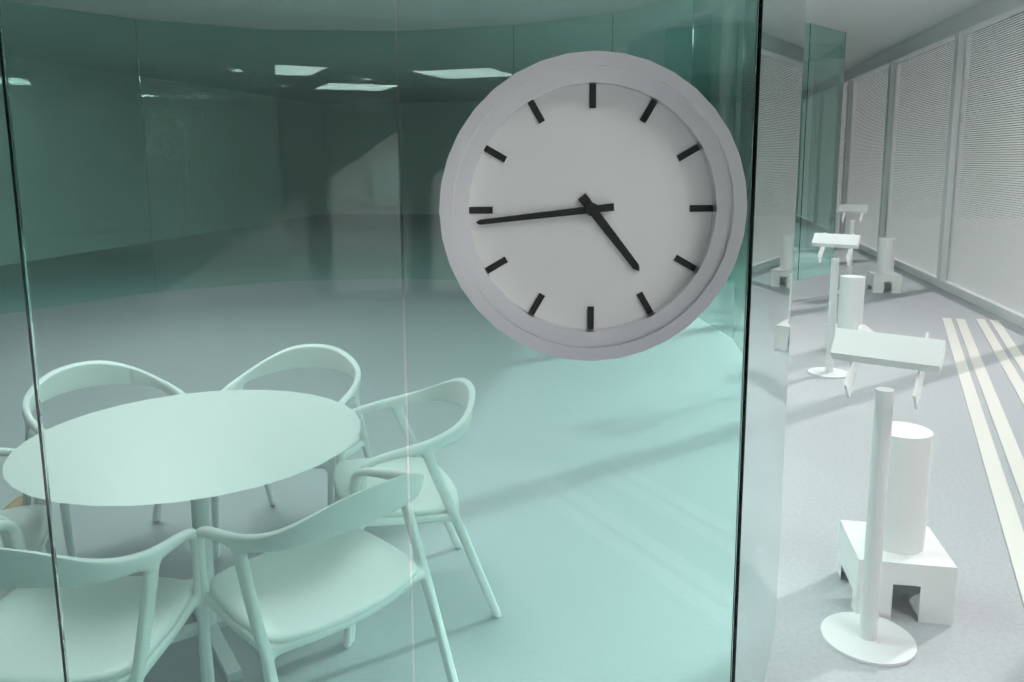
{"hour": 4, "minute": 44}
